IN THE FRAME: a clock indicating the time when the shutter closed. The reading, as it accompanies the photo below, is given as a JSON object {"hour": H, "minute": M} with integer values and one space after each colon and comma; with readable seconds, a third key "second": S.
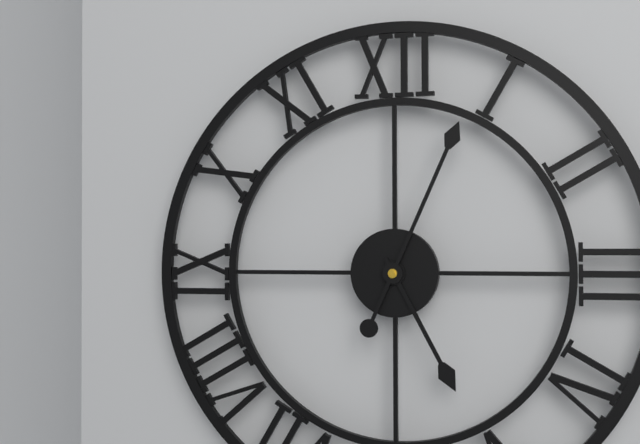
{"hour": 5, "minute": 4}
